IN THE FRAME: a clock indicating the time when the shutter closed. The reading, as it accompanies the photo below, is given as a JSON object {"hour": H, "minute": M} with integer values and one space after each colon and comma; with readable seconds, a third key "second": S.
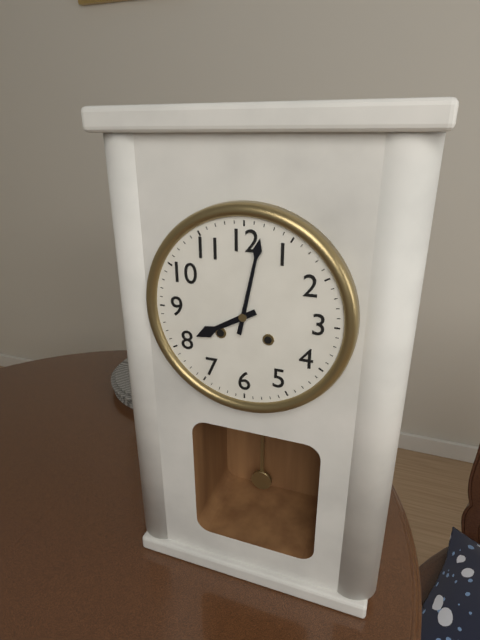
{"hour": 8, "minute": 2}
